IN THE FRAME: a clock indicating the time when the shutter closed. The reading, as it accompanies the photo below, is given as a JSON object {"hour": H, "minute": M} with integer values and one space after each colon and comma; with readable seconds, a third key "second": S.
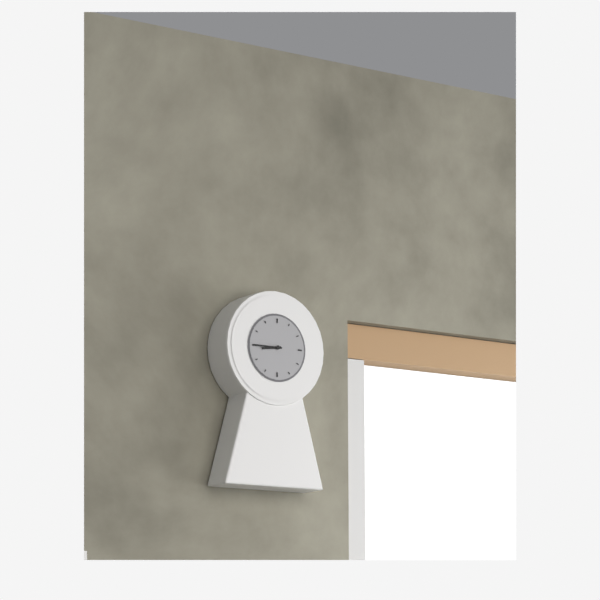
{"hour": 8, "minute": 45}
